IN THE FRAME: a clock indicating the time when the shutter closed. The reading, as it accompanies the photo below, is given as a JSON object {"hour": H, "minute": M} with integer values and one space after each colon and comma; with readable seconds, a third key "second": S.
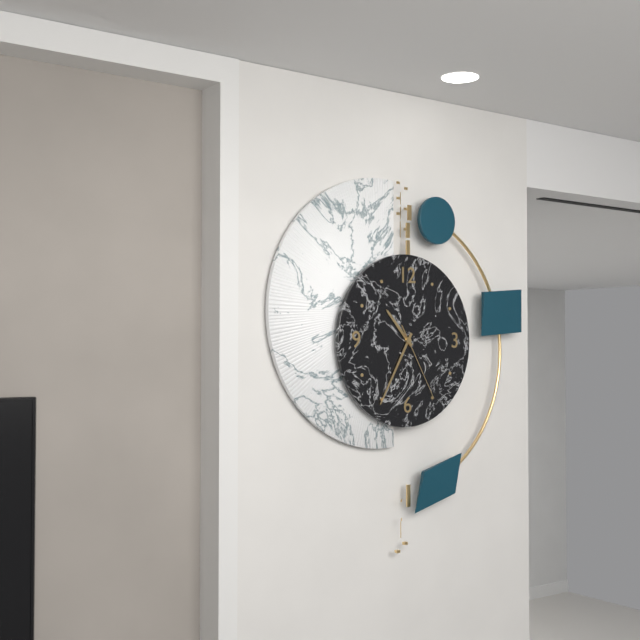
{"hour": 10, "minute": 35, "second": 25}
